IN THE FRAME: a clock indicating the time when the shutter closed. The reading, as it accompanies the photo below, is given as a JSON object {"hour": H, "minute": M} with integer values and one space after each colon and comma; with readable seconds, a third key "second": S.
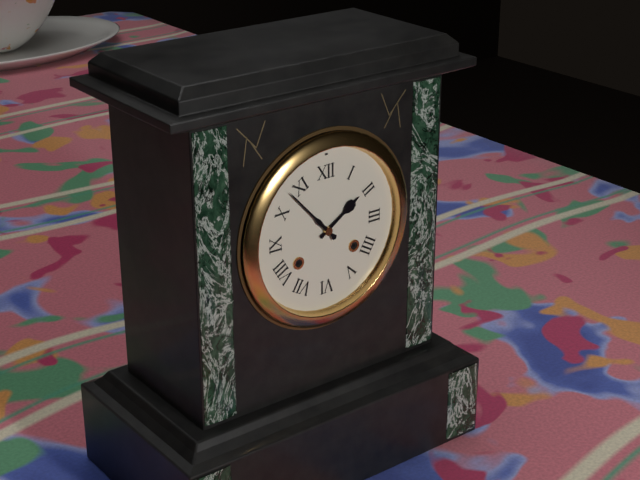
{"hour": 1, "minute": 53}
